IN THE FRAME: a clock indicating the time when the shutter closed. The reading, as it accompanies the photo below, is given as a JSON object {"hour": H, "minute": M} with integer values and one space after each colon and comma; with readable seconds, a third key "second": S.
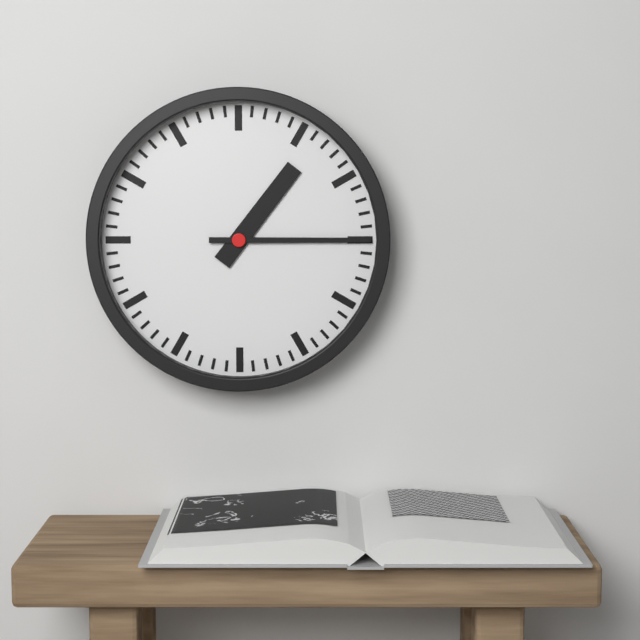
{"hour": 1, "minute": 15}
